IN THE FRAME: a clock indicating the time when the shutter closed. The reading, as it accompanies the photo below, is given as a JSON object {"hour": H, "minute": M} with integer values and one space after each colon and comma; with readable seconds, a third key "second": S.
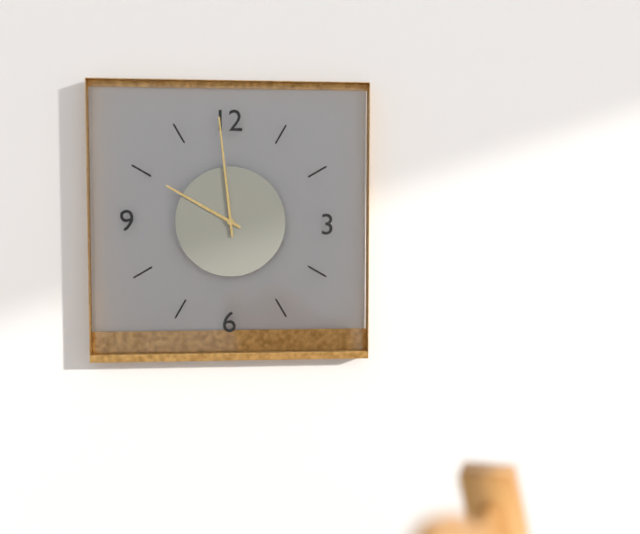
{"hour": 9, "minute": 59}
